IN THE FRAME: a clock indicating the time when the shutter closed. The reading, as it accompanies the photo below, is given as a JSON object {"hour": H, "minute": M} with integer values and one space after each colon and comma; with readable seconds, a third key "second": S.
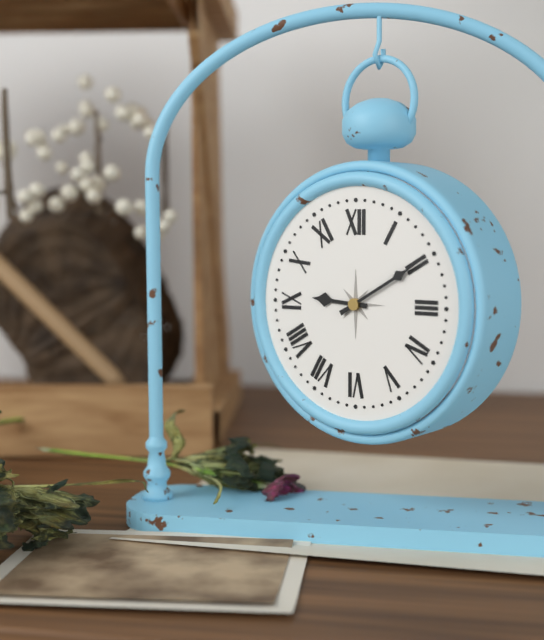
{"hour": 9, "minute": 10}
